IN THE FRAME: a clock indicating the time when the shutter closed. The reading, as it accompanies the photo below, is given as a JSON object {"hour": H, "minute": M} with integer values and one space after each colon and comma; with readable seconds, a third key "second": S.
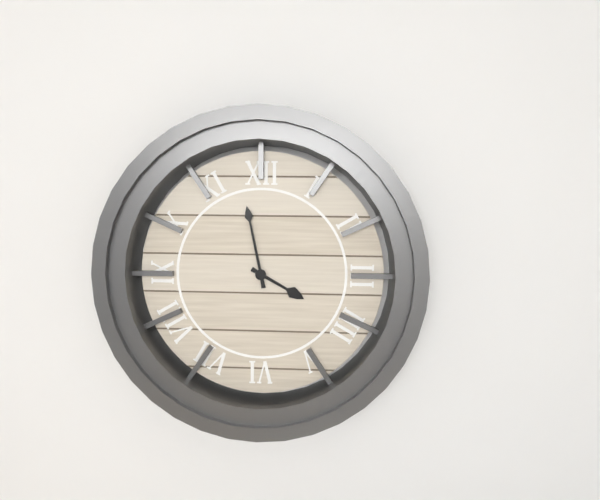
{"hour": 3, "minute": 58}
